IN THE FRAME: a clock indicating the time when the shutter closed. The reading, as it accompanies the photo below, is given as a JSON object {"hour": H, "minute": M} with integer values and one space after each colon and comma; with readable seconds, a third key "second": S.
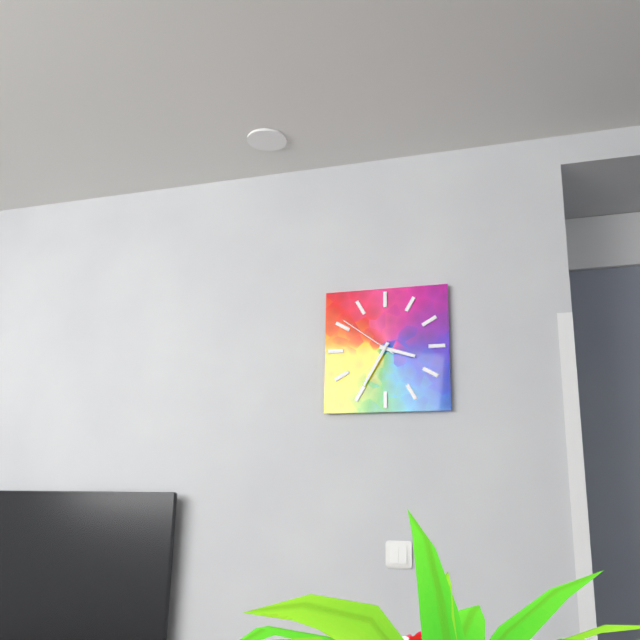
{"hour": 3, "minute": 35, "second": 51}
